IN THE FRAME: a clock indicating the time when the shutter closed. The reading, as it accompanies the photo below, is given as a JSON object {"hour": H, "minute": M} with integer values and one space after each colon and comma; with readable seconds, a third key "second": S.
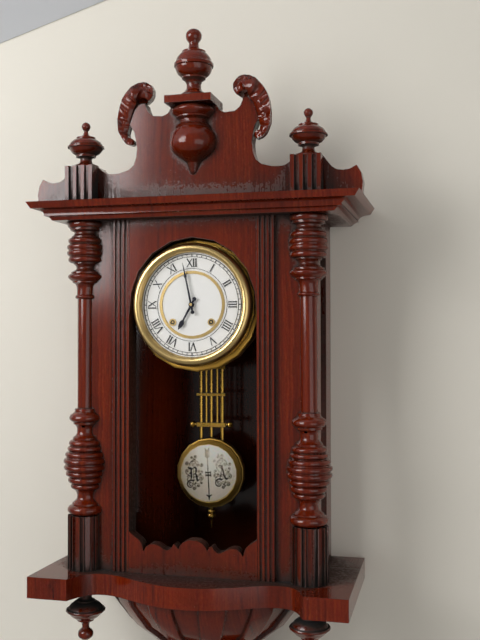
{"hour": 6, "minute": 58}
